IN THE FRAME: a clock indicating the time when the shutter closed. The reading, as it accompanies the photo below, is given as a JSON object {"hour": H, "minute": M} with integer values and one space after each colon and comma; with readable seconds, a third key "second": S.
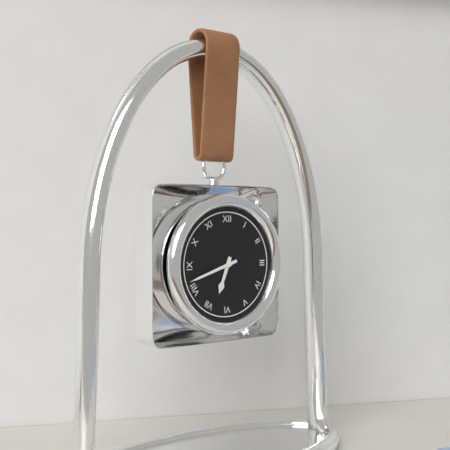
{"hour": 6, "minute": 42}
